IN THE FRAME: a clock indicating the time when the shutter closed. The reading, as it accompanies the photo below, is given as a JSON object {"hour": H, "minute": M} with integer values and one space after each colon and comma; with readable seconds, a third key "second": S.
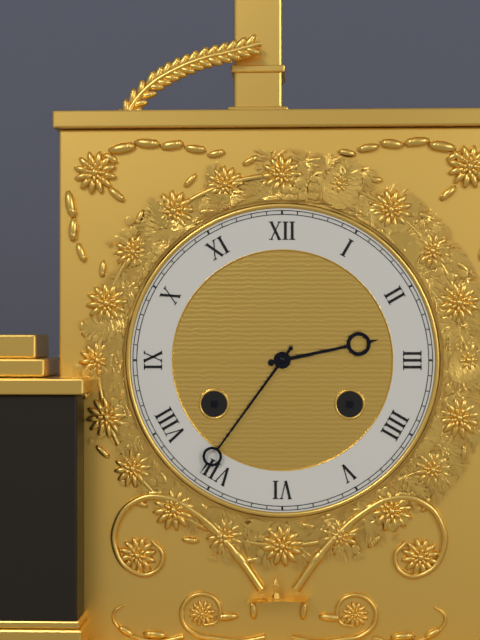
{"hour": 2, "minute": 36}
